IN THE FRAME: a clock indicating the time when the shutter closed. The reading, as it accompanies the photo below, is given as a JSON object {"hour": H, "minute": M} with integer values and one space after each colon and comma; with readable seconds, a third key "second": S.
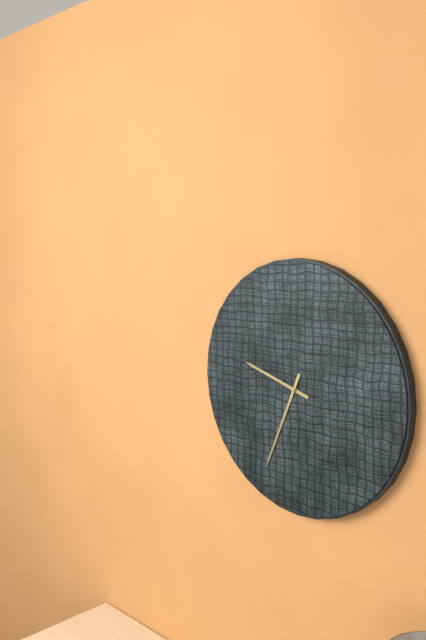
{"hour": 9, "minute": 34}
